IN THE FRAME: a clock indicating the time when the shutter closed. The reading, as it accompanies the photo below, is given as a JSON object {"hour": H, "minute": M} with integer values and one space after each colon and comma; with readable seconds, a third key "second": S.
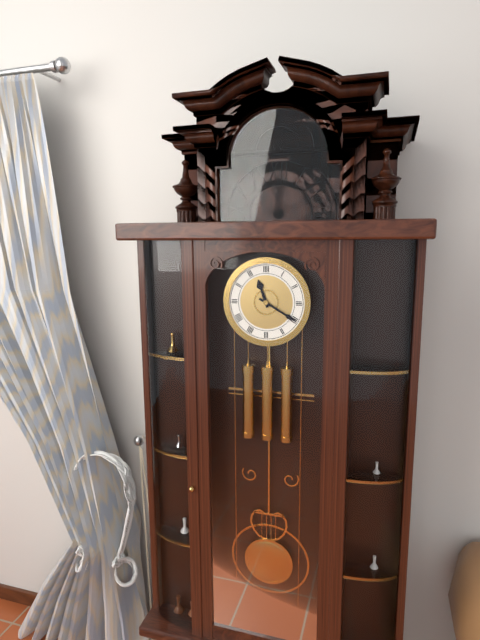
{"hour": 11, "minute": 20}
